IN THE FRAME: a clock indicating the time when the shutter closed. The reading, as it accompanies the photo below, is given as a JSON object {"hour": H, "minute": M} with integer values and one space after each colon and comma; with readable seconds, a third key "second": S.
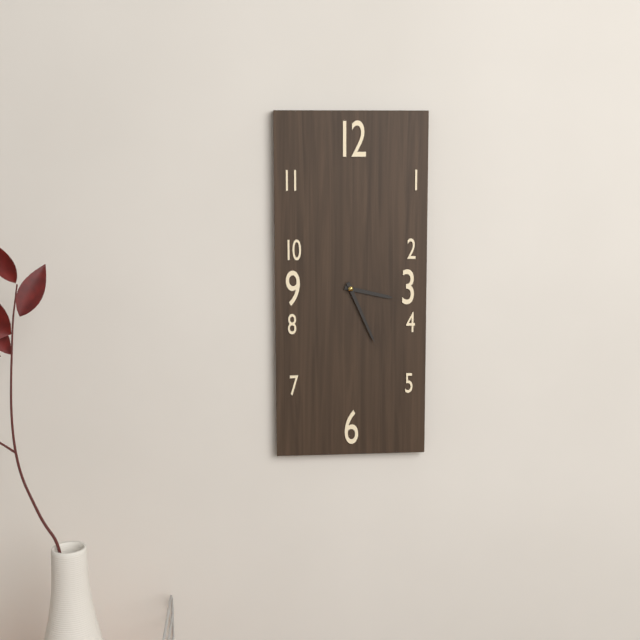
{"hour": 3, "minute": 26}
